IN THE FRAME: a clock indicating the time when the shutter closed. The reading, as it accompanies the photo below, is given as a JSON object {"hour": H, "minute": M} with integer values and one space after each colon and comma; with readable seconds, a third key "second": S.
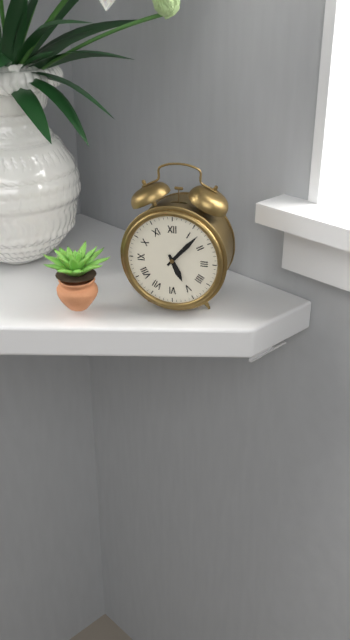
{"hour": 5, "minute": 7}
